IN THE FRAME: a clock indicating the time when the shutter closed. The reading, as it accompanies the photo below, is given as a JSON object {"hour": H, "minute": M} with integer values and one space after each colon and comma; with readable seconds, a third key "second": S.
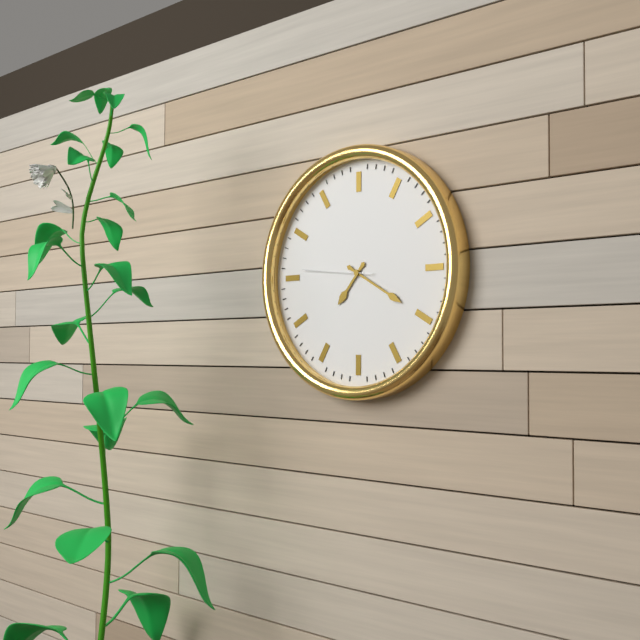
{"hour": 7, "minute": 20, "second": 46}
